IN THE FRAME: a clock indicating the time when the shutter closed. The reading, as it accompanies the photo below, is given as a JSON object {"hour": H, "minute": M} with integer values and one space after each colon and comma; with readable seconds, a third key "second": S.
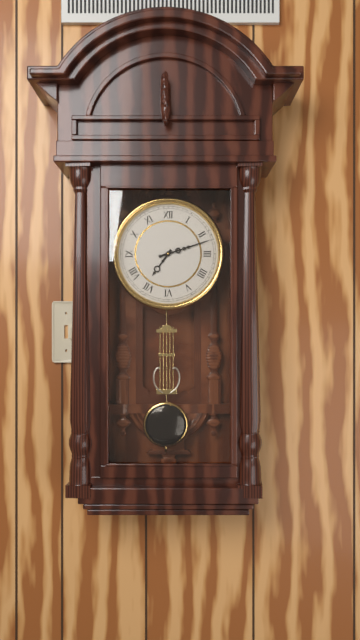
{"hour": 7, "minute": 12}
